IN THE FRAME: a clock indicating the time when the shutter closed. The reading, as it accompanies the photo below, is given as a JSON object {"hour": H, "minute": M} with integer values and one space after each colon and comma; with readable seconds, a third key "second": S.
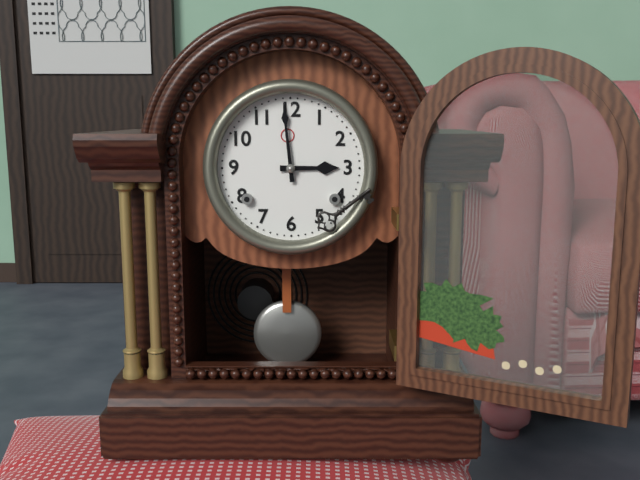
{"hour": 2, "minute": 59}
